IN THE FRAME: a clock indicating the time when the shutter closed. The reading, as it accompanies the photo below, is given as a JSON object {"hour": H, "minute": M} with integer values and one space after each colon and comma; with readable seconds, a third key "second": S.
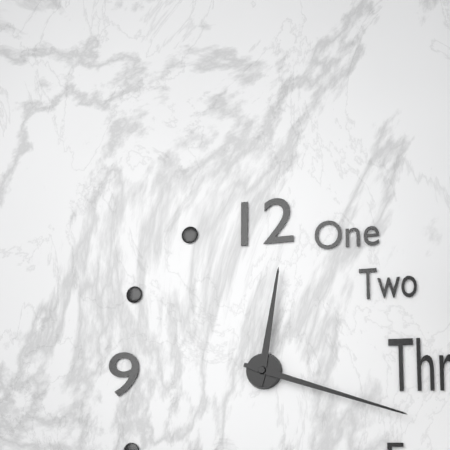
{"hour": 12, "minute": 18}
